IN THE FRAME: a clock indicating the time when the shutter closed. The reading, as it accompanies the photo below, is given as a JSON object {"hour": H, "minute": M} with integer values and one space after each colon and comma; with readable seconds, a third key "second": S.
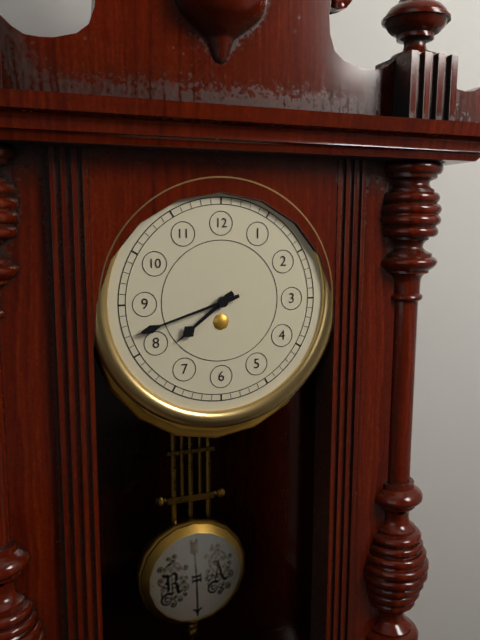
{"hour": 7, "minute": 42}
